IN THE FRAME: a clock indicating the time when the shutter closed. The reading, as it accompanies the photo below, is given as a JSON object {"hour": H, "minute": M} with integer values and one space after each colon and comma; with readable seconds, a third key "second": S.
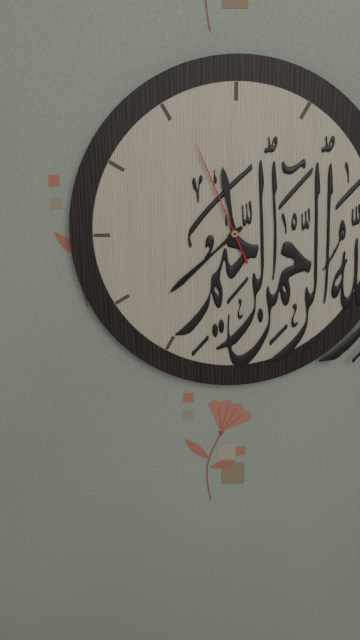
{"hour": 11, "minute": 38, "second": 56}
